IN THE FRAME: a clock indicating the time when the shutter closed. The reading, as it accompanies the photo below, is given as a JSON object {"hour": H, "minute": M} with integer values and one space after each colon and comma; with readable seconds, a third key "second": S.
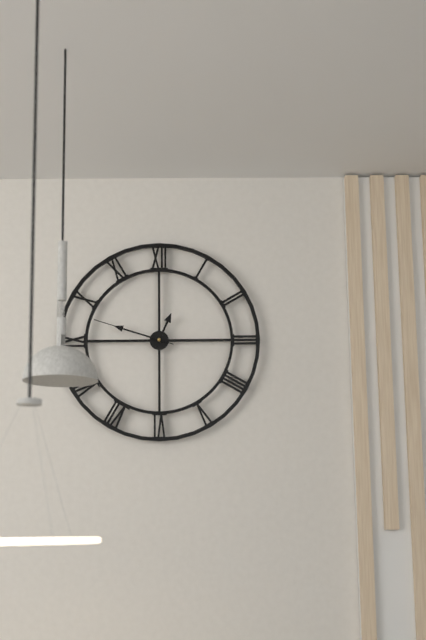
{"hour": 12, "minute": 48, "second": 48}
